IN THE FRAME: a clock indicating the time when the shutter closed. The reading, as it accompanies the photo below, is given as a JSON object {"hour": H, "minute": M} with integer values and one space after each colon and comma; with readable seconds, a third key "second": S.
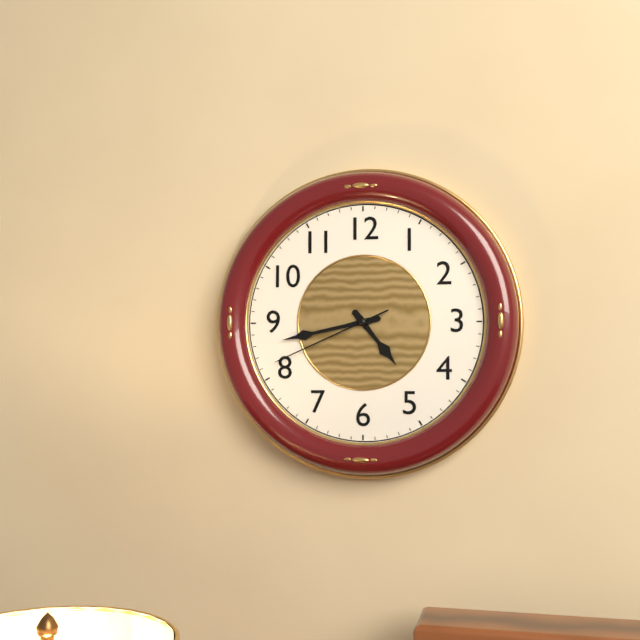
{"hour": 4, "minute": 43, "second": 41}
